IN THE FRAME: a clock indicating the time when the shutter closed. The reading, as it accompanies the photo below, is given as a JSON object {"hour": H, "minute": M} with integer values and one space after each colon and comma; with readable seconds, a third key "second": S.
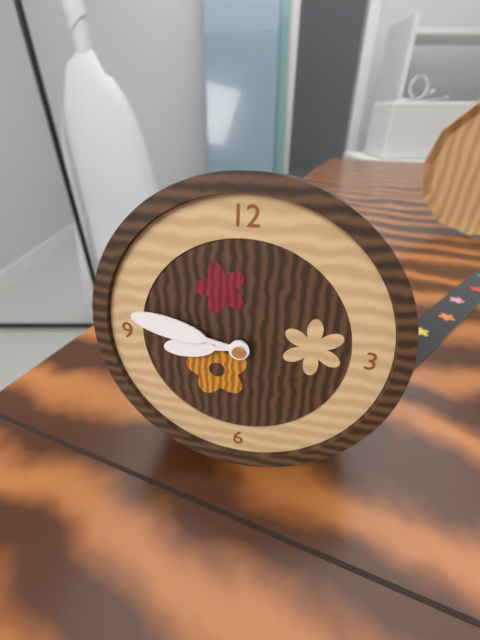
{"hour": 8, "minute": 47}
